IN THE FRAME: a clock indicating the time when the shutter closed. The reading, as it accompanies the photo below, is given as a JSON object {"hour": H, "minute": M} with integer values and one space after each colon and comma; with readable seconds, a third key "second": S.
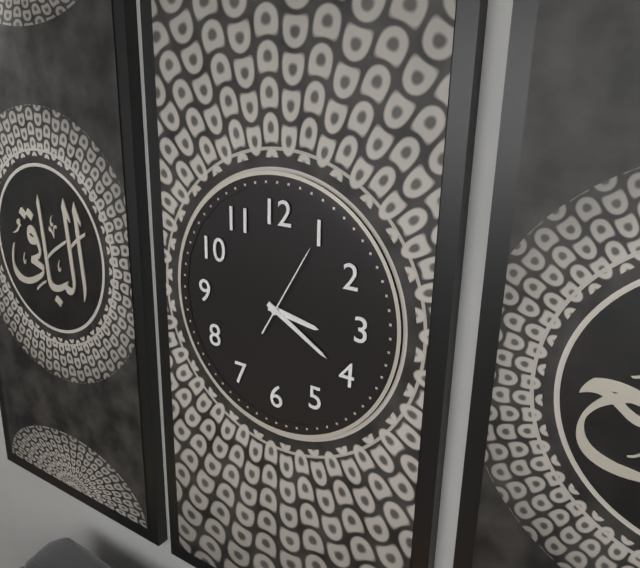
{"hour": 3, "minute": 20, "second": 5}
